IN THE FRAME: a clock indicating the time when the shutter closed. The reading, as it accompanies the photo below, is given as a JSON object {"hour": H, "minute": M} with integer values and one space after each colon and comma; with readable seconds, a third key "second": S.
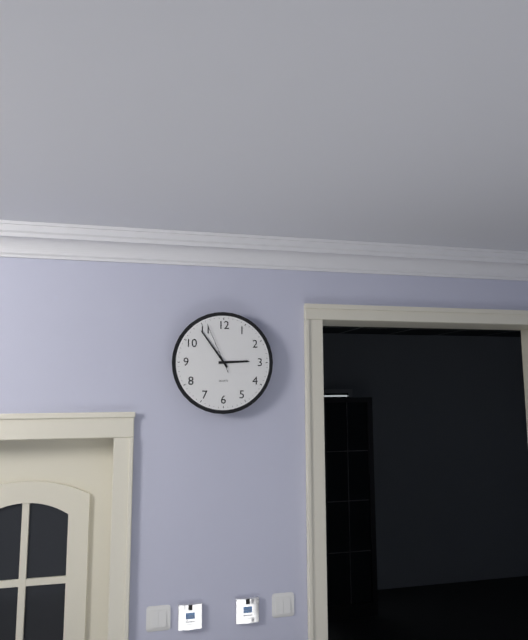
{"hour": 2, "minute": 54, "second": 56}
